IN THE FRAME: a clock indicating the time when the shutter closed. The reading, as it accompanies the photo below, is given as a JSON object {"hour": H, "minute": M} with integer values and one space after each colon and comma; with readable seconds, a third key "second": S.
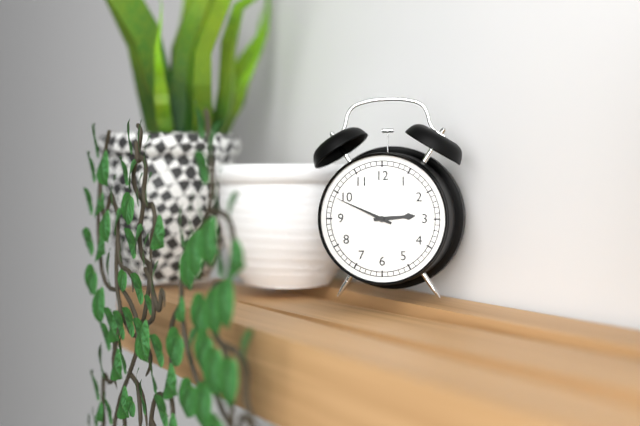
{"hour": 2, "minute": 49}
